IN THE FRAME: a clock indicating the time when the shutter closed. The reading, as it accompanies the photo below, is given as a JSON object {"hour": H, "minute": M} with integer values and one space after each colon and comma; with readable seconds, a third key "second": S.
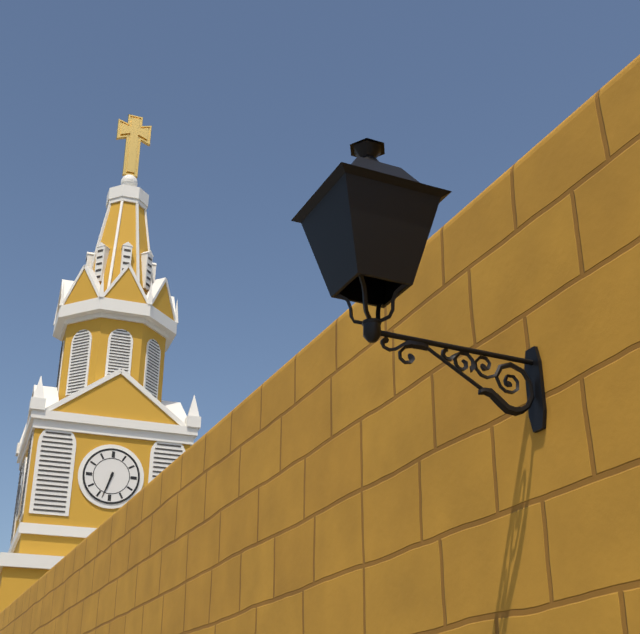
{"hour": 6, "minute": 33}
